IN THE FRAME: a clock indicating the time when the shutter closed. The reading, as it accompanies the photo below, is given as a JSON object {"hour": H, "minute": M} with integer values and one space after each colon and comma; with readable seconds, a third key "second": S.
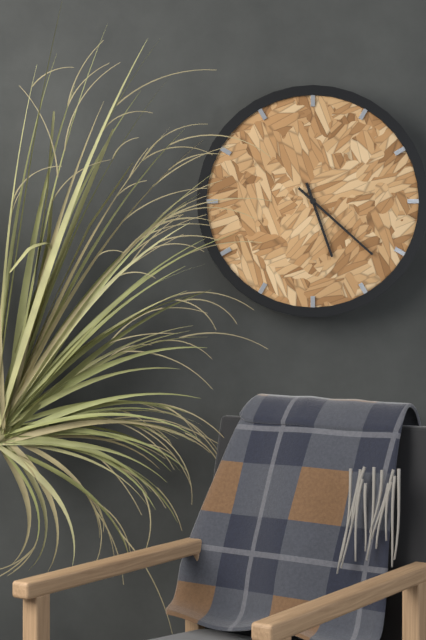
{"hour": 5, "minute": 22}
